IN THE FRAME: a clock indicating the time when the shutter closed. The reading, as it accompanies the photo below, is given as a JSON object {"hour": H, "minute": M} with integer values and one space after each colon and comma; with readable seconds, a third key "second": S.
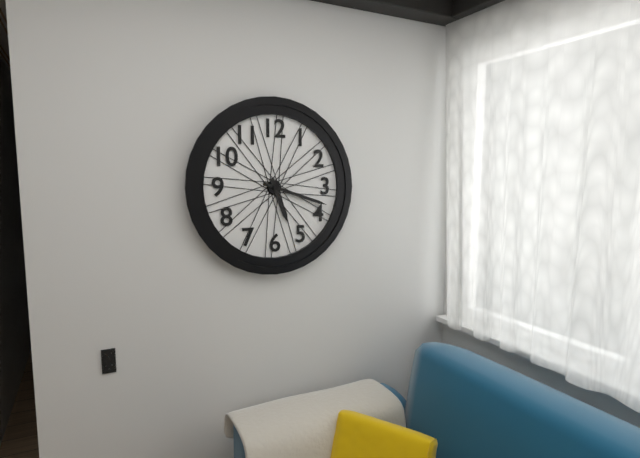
{"hour": 5, "minute": 18}
